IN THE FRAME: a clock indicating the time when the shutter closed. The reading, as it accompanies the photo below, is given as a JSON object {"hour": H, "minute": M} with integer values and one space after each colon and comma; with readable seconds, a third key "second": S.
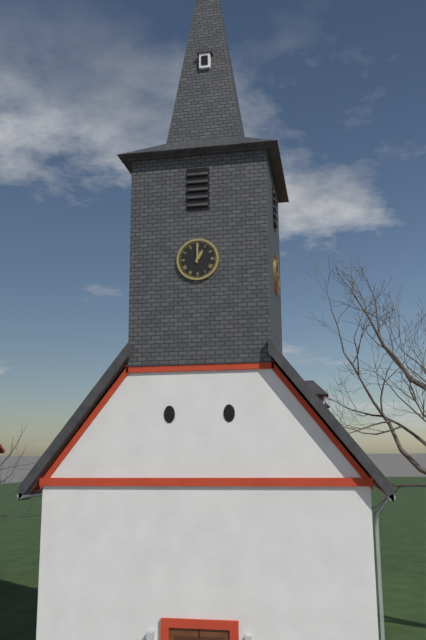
{"hour": 1, "minute": 0}
